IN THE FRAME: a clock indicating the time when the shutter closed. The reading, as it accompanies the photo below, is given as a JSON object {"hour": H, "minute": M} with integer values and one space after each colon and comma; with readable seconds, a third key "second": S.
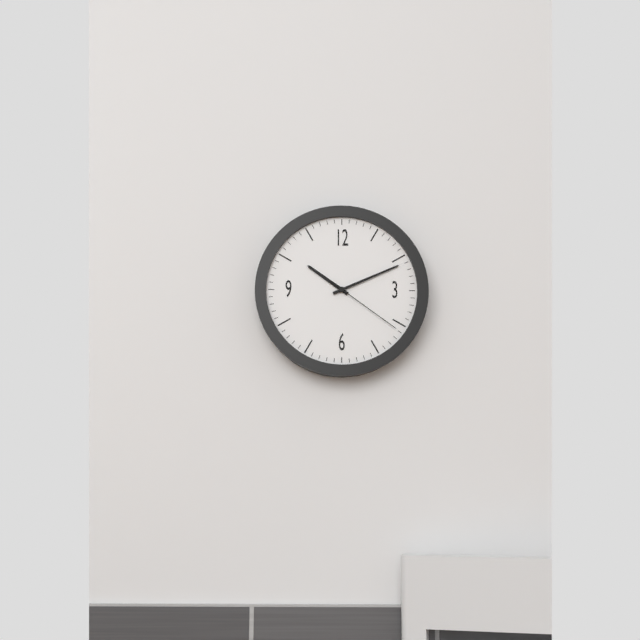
{"hour": 10, "minute": 11, "second": 21}
